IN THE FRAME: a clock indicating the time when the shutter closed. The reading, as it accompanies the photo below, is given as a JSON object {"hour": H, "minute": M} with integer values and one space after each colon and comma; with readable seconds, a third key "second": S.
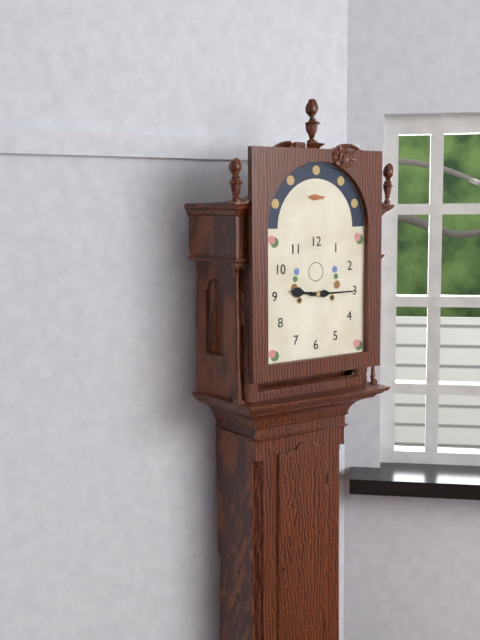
{"hour": 9, "minute": 15}
